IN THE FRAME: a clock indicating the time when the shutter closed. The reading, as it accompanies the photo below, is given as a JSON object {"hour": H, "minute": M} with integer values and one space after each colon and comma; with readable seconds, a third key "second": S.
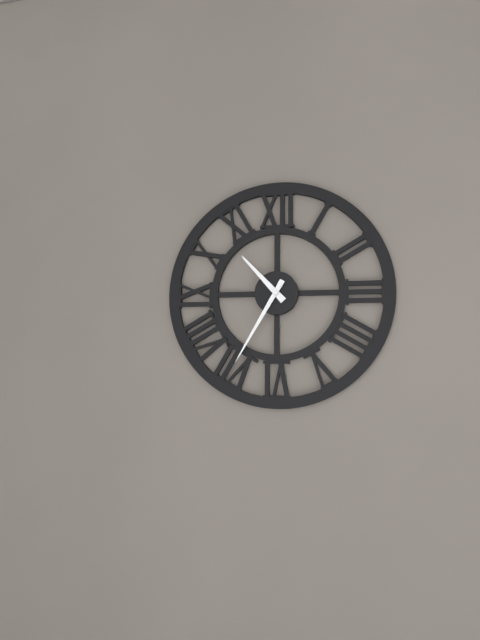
{"hour": 10, "minute": 35}
